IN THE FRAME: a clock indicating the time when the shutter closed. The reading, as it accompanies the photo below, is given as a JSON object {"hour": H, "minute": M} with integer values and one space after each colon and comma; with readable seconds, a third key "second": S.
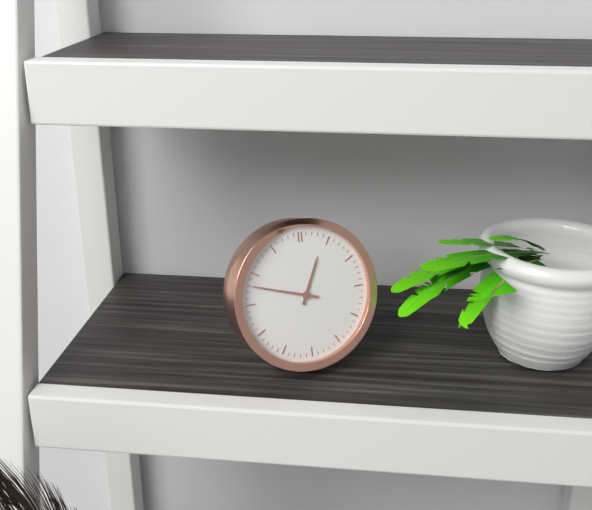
{"hour": 12, "minute": 48}
